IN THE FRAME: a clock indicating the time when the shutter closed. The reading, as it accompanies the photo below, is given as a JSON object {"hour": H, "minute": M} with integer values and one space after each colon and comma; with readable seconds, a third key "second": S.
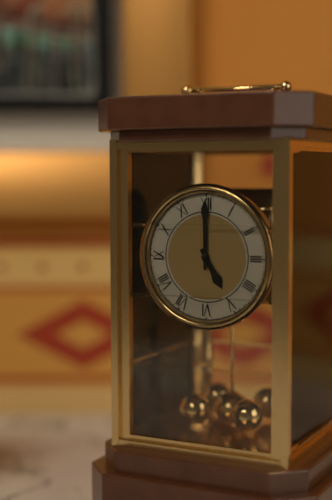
{"hour": 5, "minute": 0}
